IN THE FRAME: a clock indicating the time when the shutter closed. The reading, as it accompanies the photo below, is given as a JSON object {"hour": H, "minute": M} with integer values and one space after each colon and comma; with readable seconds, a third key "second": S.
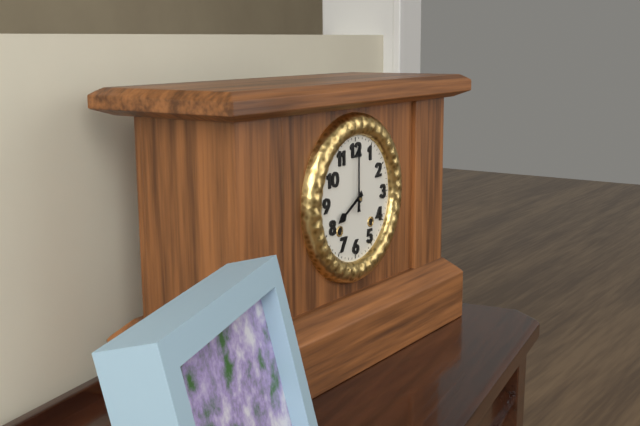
{"hour": 8, "minute": 0}
